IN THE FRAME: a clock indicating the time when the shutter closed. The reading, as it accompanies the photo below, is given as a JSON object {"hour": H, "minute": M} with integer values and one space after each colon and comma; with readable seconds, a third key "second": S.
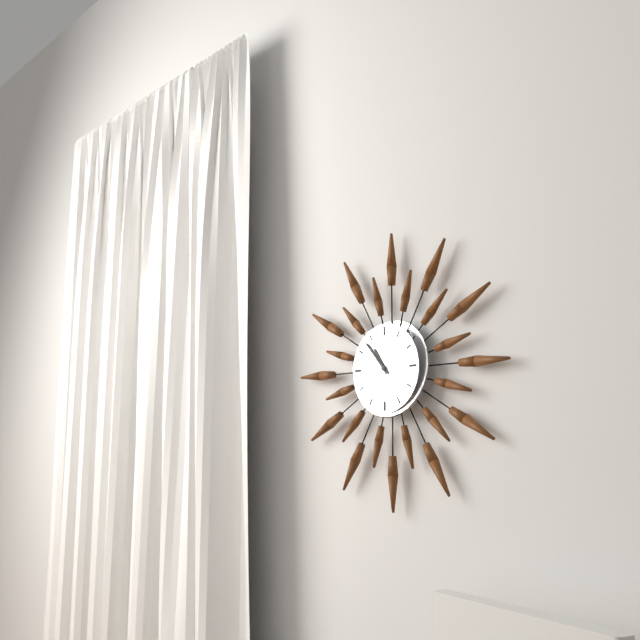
{"hour": 10, "minute": 53}
